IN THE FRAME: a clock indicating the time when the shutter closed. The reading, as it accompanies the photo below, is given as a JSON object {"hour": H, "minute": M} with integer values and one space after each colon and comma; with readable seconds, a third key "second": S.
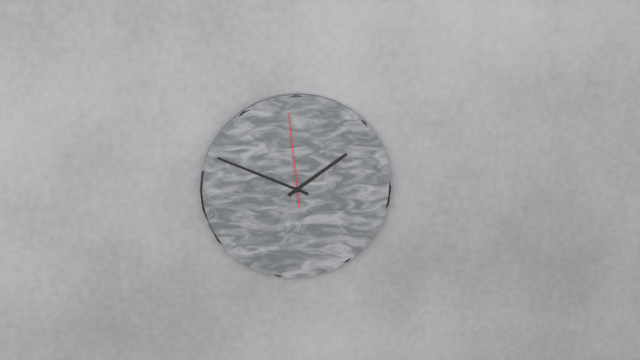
{"hour": 1, "minute": 49, "second": 59}
